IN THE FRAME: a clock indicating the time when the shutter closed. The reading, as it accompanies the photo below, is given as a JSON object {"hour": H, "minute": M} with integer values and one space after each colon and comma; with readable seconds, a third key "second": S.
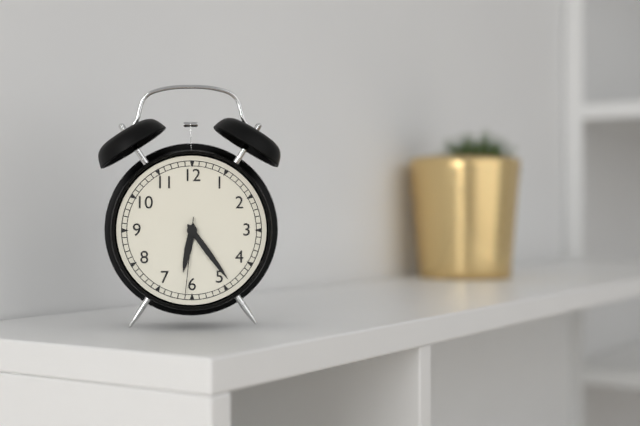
{"hour": 6, "minute": 24, "second": 31}
